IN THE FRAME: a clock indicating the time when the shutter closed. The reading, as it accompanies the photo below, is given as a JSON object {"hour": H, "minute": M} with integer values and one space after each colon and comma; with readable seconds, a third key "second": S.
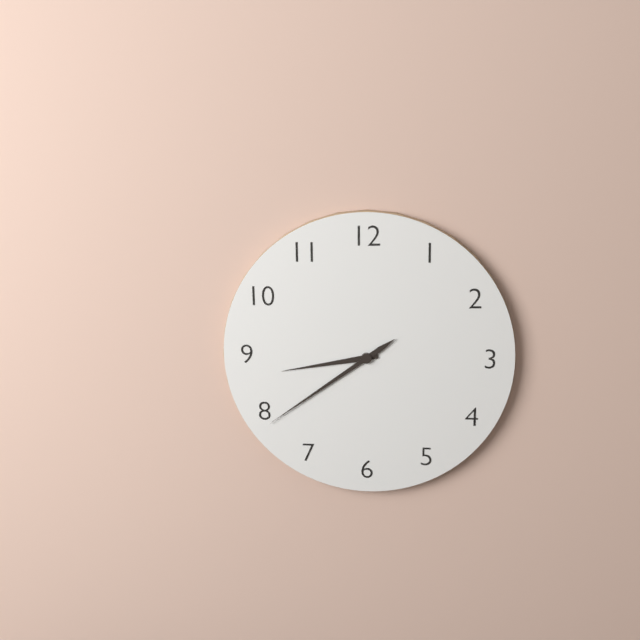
{"hour": 8, "minute": 39}
